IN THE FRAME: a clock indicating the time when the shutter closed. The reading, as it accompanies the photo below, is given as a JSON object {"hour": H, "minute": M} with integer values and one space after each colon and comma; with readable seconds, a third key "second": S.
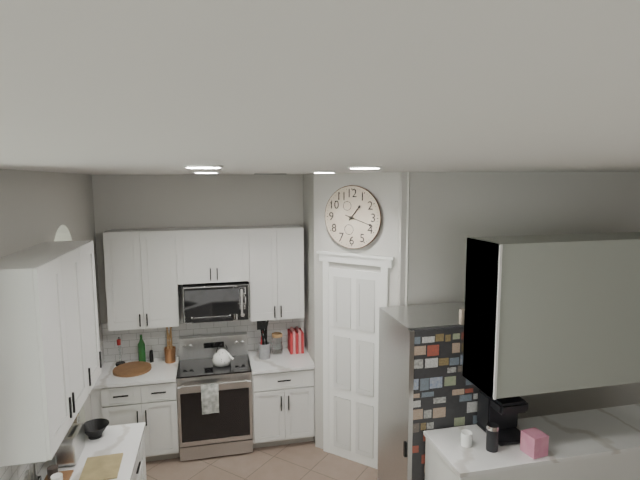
{"hour": 1, "minute": 18}
